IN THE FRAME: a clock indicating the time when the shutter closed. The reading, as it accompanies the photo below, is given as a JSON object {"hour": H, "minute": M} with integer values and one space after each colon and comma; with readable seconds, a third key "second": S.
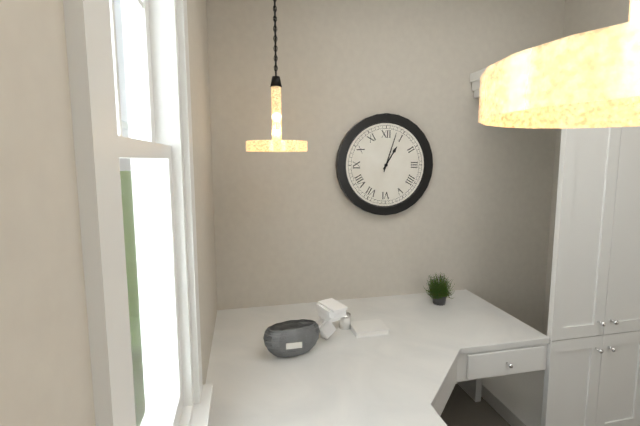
{"hour": 1, "minute": 3}
